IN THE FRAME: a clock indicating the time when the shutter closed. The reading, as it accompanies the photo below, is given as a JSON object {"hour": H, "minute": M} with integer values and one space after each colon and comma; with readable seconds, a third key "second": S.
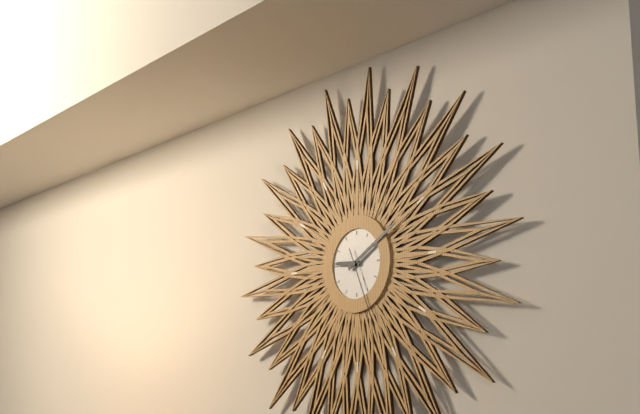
{"hour": 9, "minute": 10, "second": 26}
